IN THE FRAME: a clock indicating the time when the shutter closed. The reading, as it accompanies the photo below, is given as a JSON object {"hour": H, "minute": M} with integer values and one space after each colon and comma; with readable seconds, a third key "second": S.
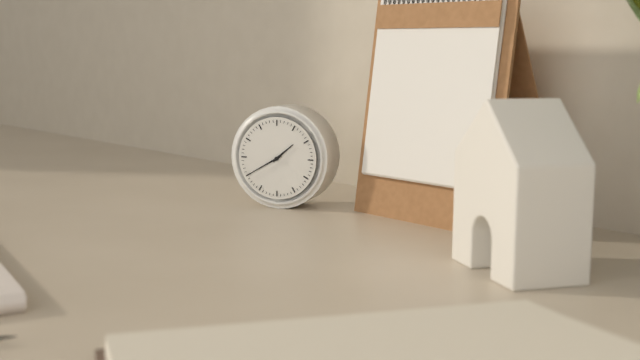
{"hour": 1, "minute": 40}
